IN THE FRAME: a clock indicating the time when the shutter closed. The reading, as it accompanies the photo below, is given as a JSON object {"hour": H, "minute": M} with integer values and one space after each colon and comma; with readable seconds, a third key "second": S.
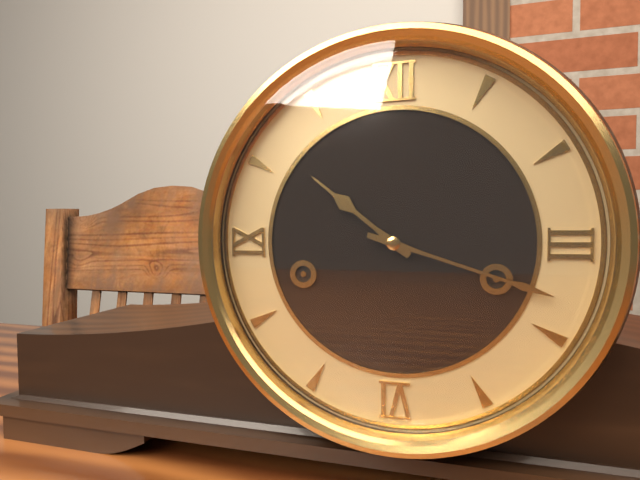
{"hour": 10, "minute": 18}
